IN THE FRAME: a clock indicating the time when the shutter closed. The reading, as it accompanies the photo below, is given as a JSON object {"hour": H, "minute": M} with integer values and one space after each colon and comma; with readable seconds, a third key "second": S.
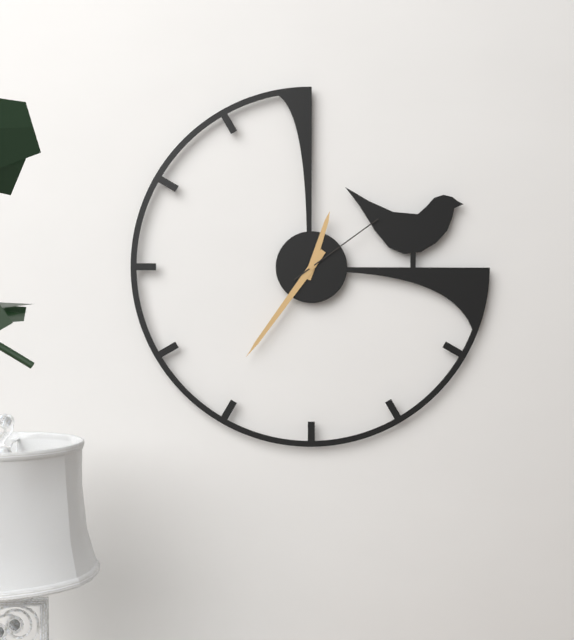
{"hour": 12, "minute": 36, "second": 9}
